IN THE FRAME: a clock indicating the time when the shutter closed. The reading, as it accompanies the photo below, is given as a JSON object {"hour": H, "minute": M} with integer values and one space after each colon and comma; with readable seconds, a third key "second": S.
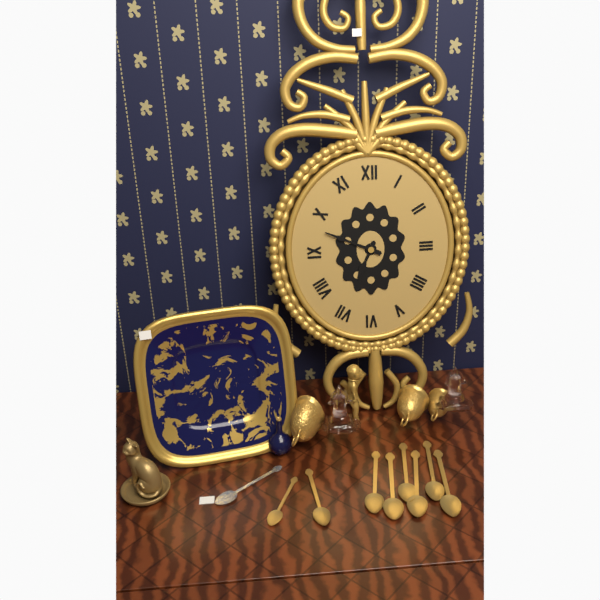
{"hour": 6, "minute": 49}
